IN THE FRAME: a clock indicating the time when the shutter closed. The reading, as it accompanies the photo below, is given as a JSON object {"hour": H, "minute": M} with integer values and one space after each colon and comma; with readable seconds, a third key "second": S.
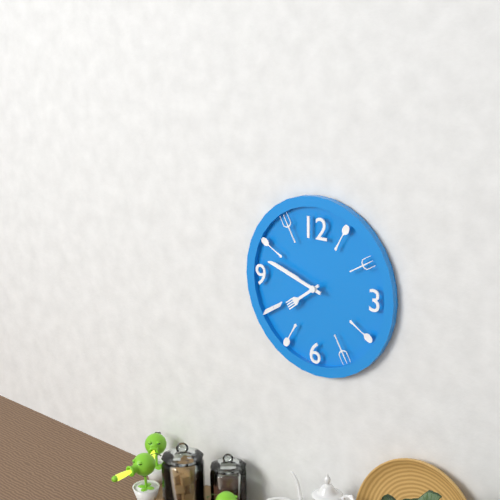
{"hour": 7, "minute": 48}
